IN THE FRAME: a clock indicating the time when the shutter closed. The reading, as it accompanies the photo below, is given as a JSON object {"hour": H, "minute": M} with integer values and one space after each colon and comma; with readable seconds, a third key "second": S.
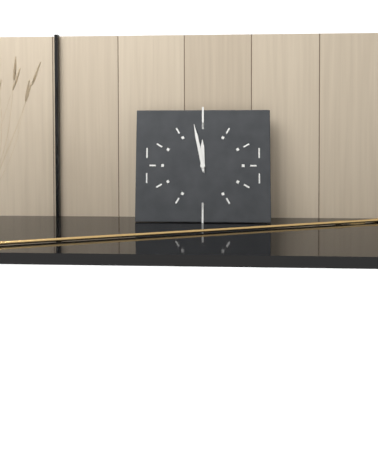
{"hour": 11, "minute": 58}
